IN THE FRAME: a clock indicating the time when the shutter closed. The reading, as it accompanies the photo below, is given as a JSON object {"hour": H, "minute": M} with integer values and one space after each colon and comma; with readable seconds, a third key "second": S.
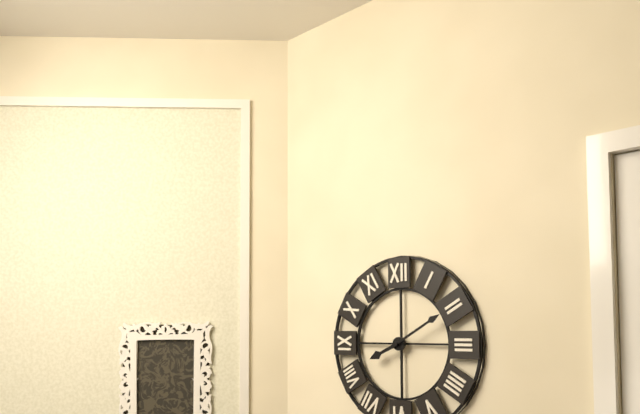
{"hour": 8, "minute": 10}
